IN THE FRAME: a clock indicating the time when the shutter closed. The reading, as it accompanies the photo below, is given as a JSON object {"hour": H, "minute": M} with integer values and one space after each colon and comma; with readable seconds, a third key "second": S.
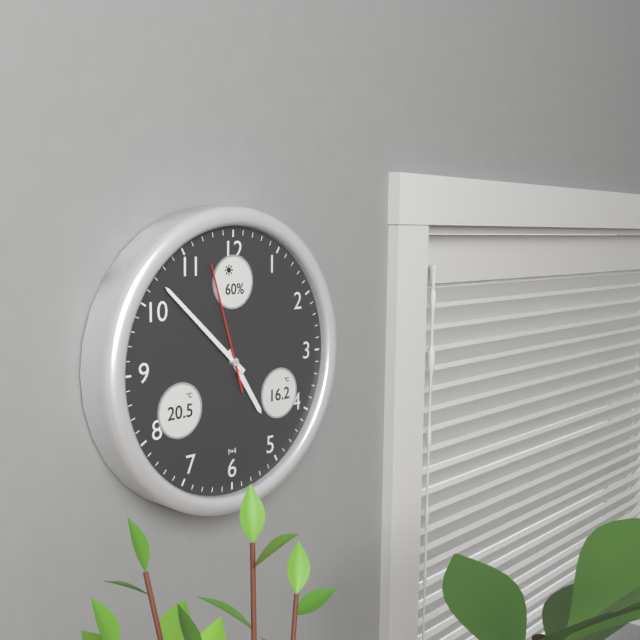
{"hour": 4, "minute": 52, "second": 57}
